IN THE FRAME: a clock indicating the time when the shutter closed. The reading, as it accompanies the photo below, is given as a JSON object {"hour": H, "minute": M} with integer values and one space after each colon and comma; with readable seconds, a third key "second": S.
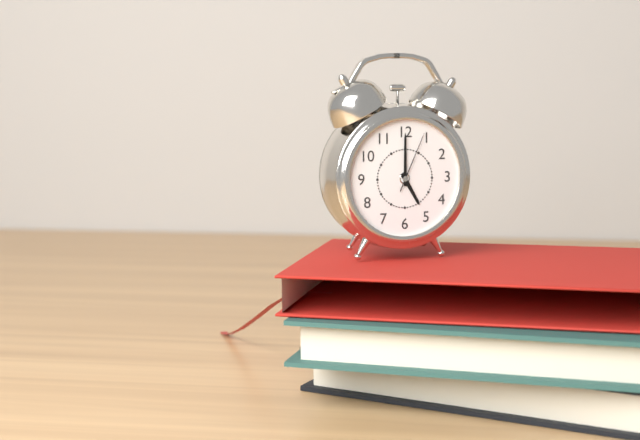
{"hour": 5, "minute": 0, "second": 4}
